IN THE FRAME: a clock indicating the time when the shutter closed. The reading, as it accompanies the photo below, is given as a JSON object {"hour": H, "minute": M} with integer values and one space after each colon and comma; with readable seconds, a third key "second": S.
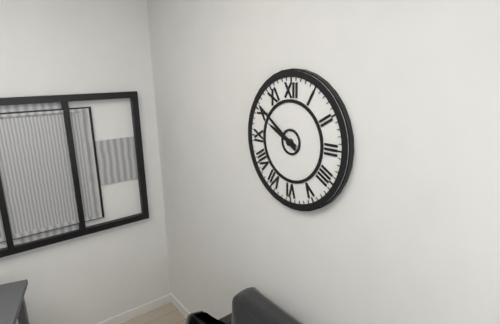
{"hour": 9, "minute": 51}
